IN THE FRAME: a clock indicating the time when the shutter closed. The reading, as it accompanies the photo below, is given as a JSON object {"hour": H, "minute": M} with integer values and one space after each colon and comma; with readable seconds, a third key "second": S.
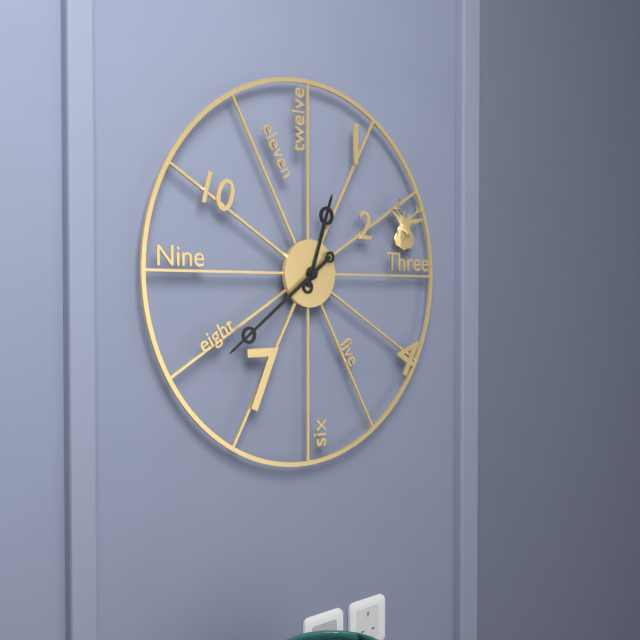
{"hour": 12, "minute": 39}
